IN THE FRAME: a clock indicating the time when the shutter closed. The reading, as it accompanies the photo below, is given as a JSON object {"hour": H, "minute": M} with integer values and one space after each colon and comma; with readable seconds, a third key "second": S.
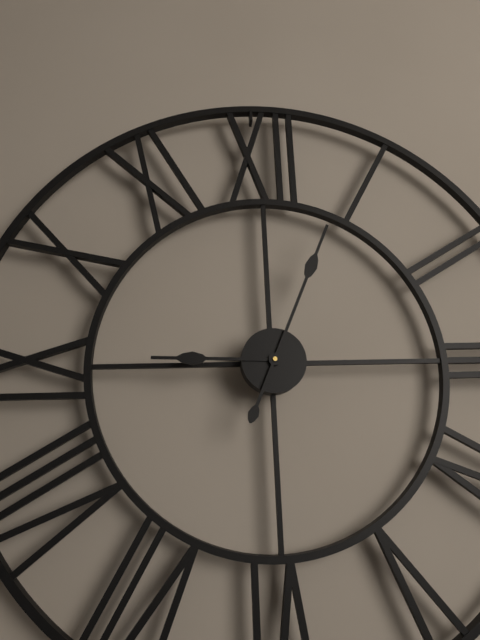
{"hour": 9, "minute": 4}
